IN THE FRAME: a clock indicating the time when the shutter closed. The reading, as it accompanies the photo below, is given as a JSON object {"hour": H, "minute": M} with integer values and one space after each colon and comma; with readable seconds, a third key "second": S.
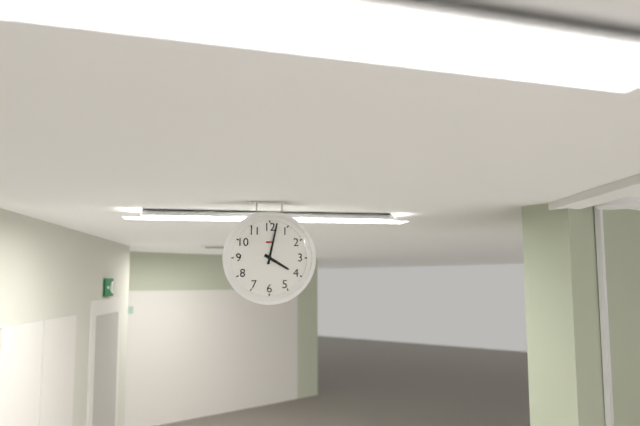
{"hour": 4, "minute": 2}
